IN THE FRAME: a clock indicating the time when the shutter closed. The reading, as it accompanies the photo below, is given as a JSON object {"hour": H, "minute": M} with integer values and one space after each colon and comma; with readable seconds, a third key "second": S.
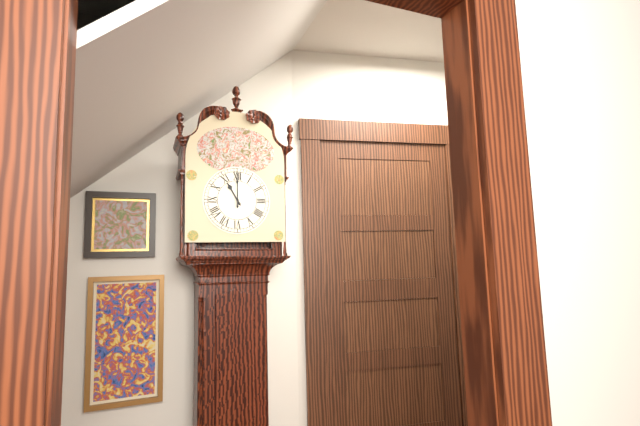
{"hour": 11, "minute": 0}
